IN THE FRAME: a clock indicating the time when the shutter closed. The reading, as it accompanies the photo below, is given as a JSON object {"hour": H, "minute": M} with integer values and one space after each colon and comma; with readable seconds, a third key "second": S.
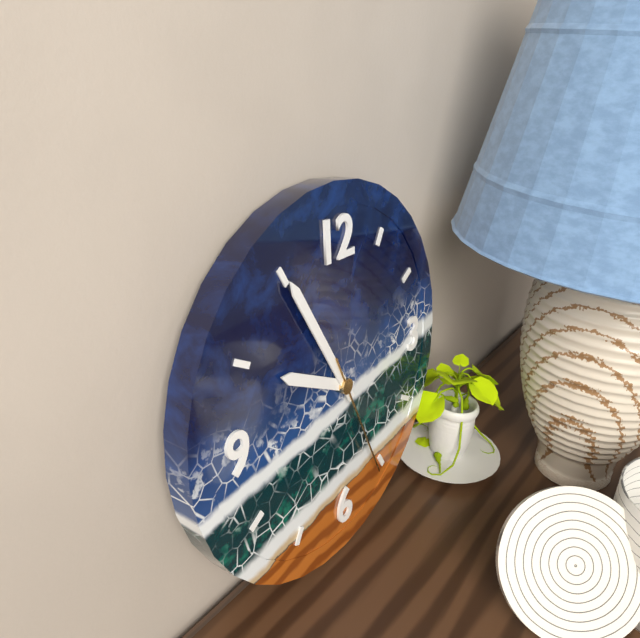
{"hour": 9, "minute": 55, "second": 26}
